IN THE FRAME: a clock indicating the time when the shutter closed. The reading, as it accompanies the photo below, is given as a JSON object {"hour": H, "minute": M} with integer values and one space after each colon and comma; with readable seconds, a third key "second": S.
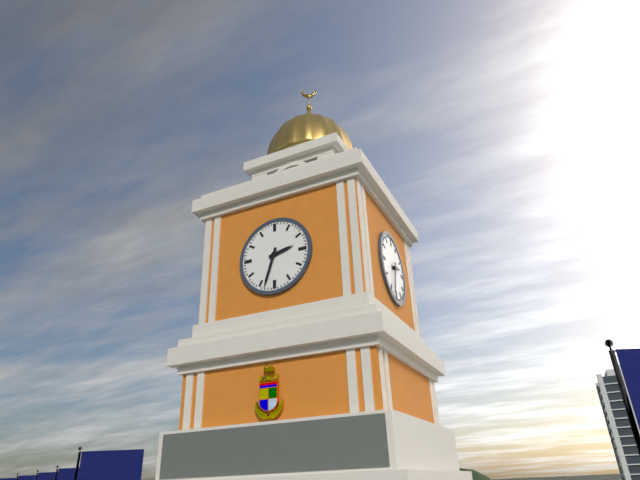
{"hour": 2, "minute": 33}
